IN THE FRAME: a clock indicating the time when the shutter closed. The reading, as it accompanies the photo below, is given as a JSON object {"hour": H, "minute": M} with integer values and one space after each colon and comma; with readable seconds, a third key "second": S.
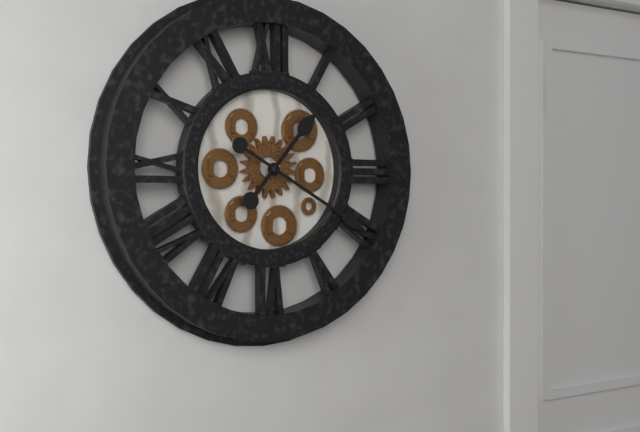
{"hour": 1, "minute": 20}
